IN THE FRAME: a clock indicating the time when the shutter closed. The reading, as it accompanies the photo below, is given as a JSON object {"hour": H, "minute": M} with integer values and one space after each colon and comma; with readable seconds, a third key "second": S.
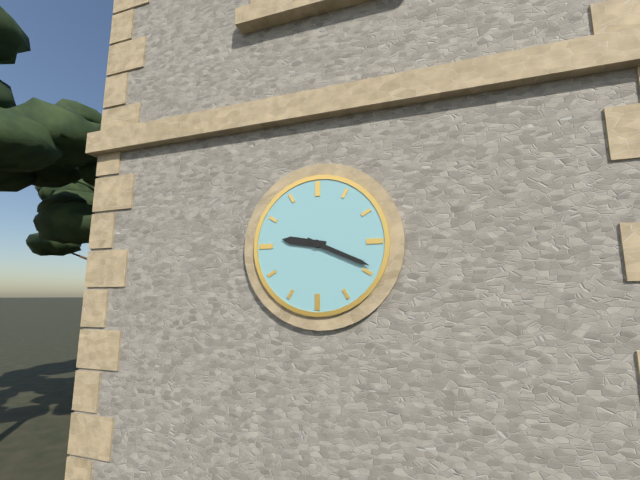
{"hour": 9, "minute": 19}
